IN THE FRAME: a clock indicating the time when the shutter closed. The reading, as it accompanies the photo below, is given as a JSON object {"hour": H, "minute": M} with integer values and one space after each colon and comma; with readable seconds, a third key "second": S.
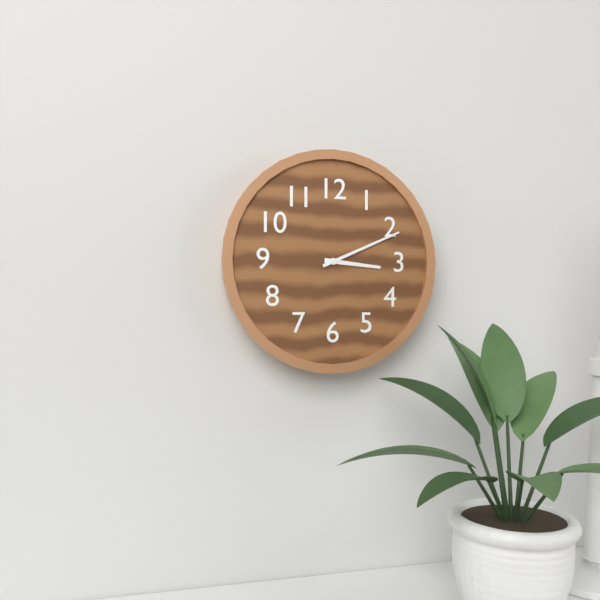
{"hour": 3, "minute": 11}
